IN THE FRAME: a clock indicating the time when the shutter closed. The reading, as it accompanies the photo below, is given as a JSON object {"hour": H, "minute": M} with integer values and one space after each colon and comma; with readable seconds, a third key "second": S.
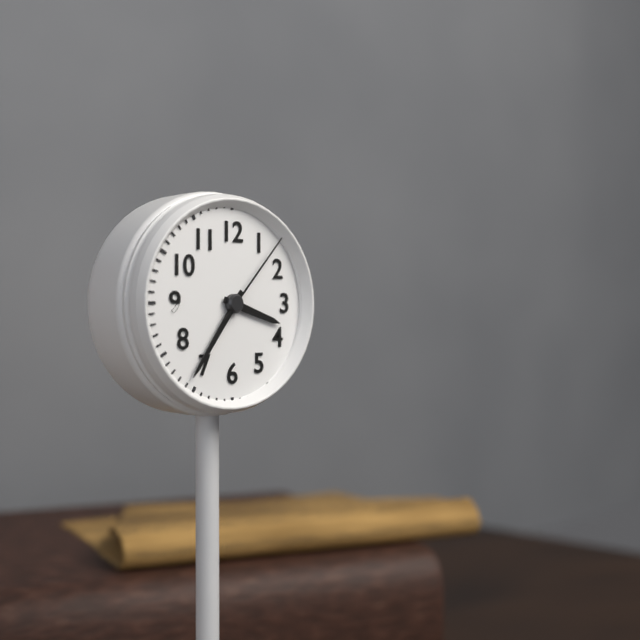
{"hour": 3, "minute": 36, "second": 7}
